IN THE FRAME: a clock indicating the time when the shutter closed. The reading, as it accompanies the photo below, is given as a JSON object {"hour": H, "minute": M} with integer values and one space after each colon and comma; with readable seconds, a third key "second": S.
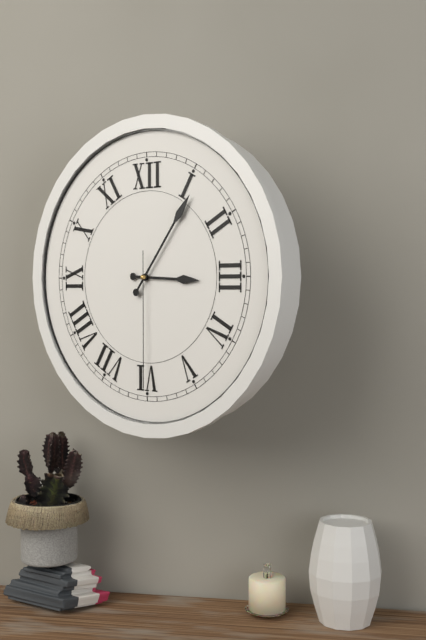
{"hour": 3, "minute": 6, "second": 30}
